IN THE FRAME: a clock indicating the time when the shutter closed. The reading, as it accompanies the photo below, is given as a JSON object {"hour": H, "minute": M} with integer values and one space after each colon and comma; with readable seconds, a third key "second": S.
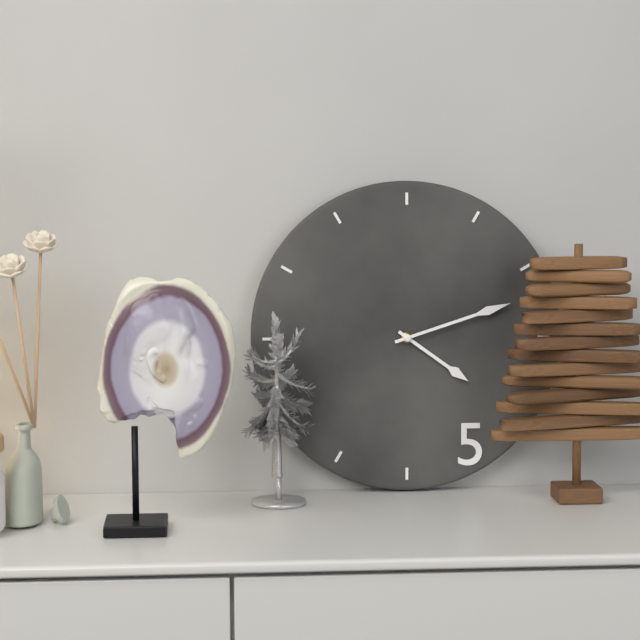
{"hour": 4, "minute": 12}
